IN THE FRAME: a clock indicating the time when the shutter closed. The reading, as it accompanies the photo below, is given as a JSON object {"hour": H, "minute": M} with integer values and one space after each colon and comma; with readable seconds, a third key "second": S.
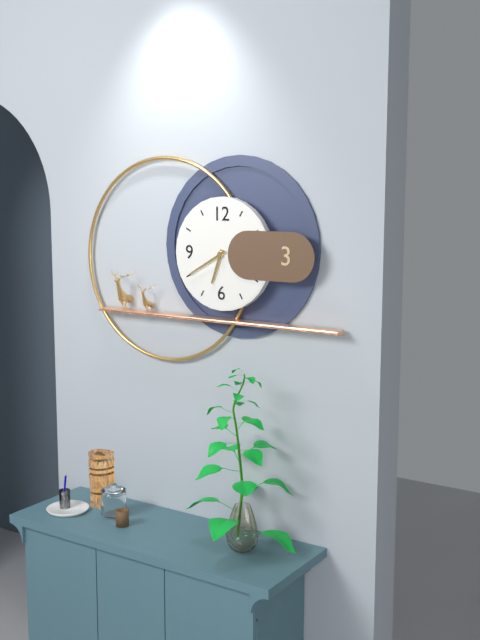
{"hour": 6, "minute": 40}
